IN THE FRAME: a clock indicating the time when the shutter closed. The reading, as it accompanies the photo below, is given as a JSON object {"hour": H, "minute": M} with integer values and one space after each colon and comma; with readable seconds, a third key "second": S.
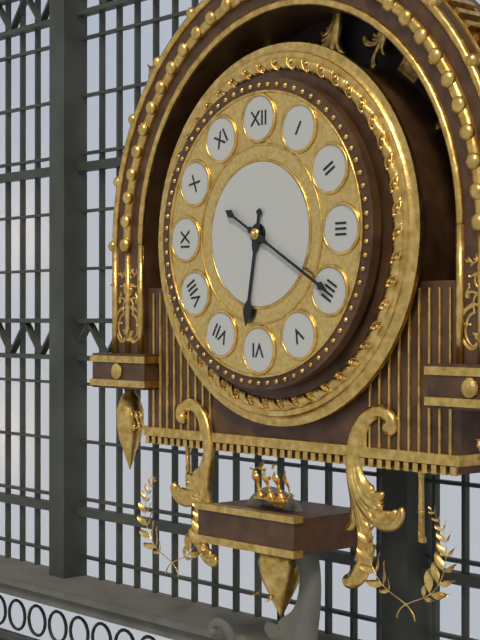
{"hour": 6, "minute": 20}
